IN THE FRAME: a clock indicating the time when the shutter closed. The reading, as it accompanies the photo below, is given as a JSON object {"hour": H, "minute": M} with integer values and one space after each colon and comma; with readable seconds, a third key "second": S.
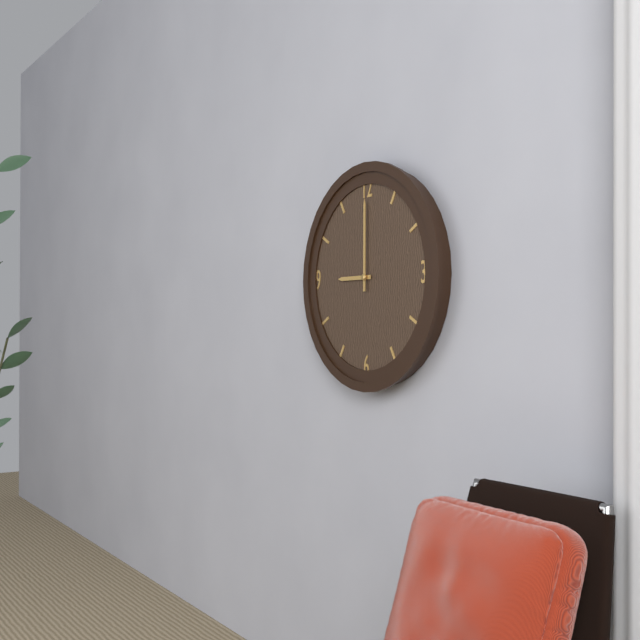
{"hour": 9, "minute": 0}
